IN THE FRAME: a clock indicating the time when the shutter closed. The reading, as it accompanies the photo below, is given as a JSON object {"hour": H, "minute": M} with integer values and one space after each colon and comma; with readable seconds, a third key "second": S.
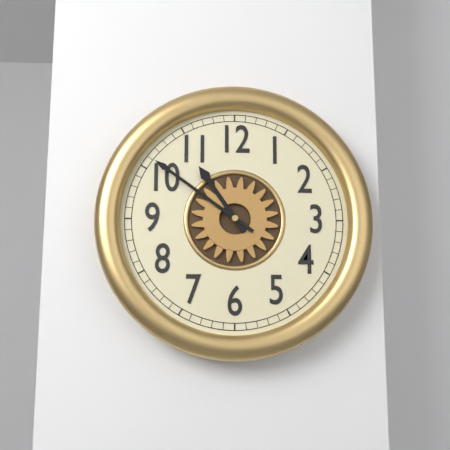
{"hour": 10, "minute": 51}
